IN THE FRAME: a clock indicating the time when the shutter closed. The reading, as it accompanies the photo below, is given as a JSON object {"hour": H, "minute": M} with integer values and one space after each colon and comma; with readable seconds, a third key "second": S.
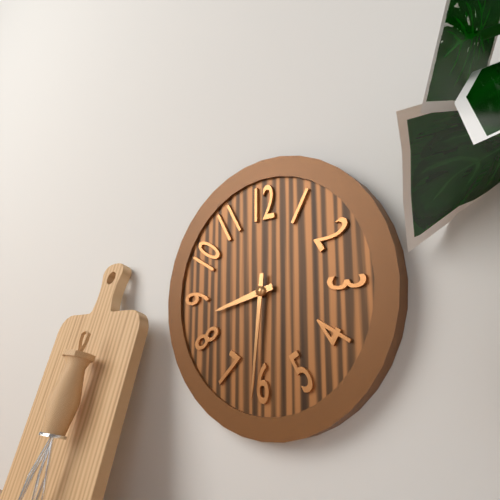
{"hour": 8, "minute": 31}
